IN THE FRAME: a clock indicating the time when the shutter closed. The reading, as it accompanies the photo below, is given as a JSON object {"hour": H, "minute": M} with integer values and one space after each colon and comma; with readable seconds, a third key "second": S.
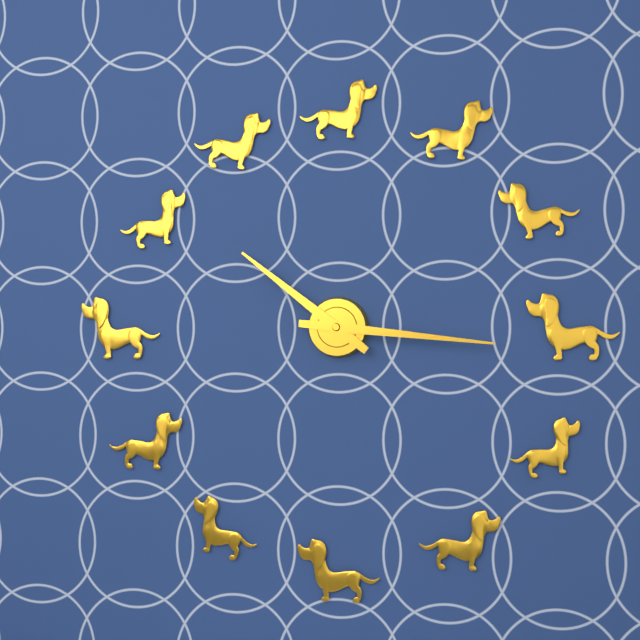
{"hour": 10, "minute": 16}
